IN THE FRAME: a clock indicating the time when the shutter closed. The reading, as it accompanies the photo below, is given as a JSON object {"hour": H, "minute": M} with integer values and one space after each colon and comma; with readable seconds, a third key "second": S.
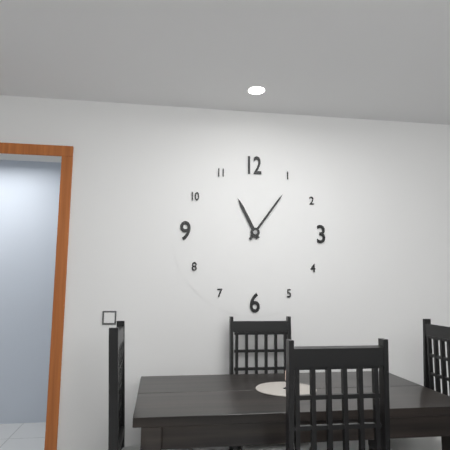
{"hour": 11, "minute": 6}
